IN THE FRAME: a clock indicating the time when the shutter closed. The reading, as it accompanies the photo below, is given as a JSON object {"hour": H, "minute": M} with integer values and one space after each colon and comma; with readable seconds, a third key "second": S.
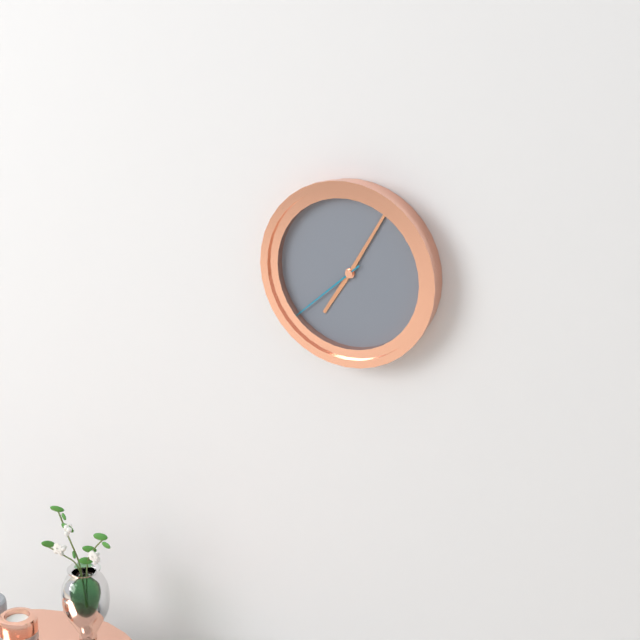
{"hour": 7, "minute": 5, "second": 38}
